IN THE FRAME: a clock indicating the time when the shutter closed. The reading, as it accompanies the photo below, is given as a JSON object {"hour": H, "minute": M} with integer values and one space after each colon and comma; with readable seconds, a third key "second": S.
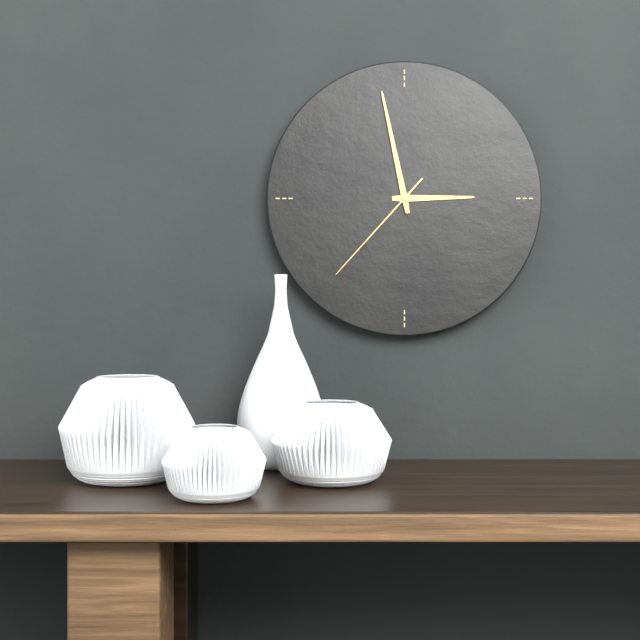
{"hour": 2, "minute": 58, "second": 37}
